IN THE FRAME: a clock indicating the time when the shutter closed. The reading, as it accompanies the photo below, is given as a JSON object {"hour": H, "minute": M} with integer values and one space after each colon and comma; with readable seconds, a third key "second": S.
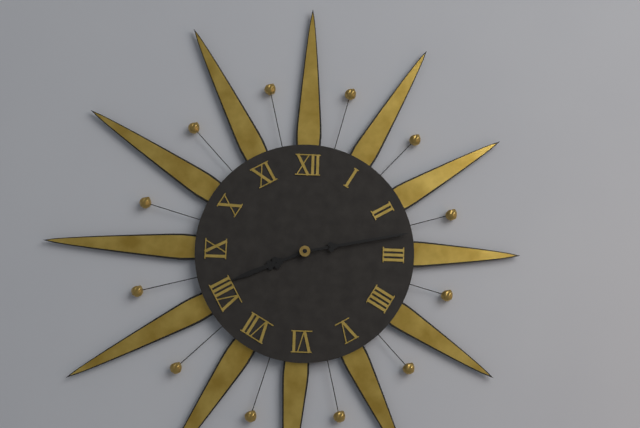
{"hour": 8, "minute": 13}
